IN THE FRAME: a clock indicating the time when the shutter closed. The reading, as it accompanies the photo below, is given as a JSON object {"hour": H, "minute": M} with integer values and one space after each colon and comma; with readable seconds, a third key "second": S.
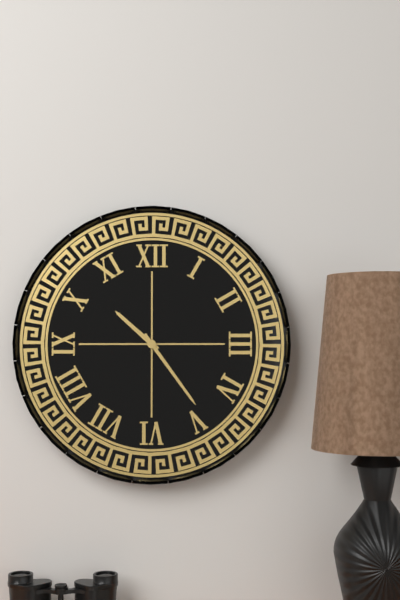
{"hour": 10, "minute": 24}
